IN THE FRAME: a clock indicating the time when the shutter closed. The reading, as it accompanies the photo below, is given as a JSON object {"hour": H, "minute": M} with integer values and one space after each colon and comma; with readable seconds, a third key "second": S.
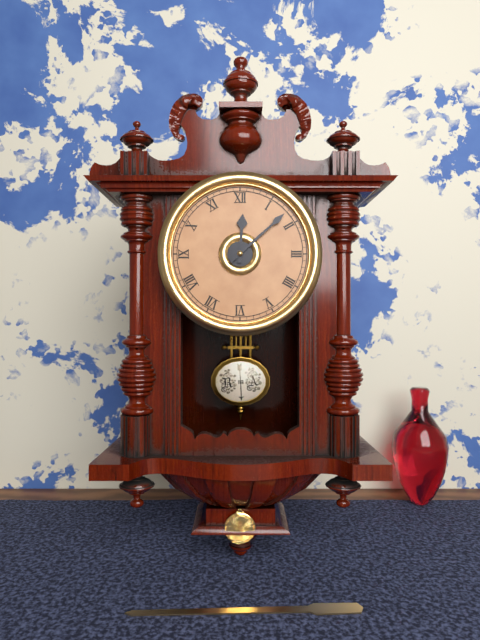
{"hour": 12, "minute": 8}
